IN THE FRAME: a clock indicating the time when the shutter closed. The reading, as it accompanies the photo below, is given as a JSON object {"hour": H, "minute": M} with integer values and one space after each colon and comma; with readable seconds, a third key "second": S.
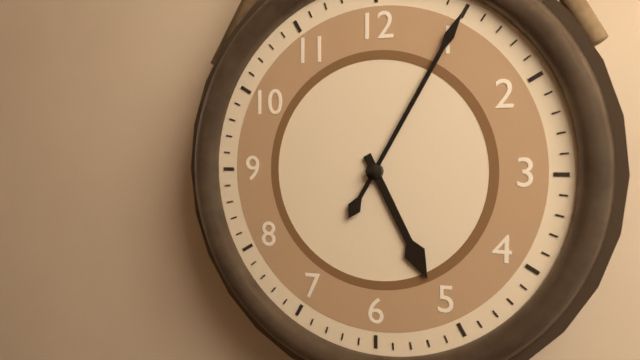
{"hour": 5, "minute": 5}
